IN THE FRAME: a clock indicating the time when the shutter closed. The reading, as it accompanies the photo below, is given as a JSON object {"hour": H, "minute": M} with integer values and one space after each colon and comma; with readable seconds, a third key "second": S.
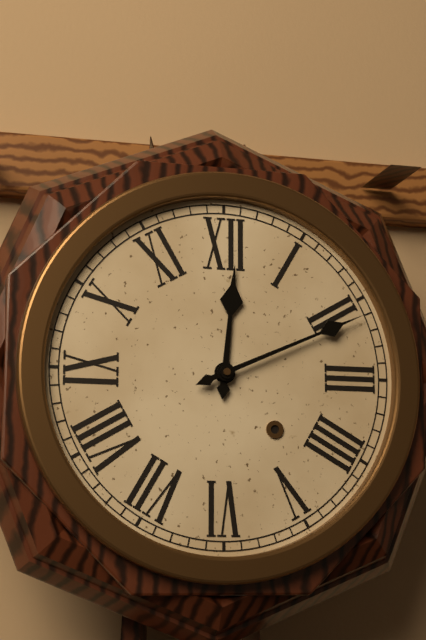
{"hour": 12, "minute": 11}
